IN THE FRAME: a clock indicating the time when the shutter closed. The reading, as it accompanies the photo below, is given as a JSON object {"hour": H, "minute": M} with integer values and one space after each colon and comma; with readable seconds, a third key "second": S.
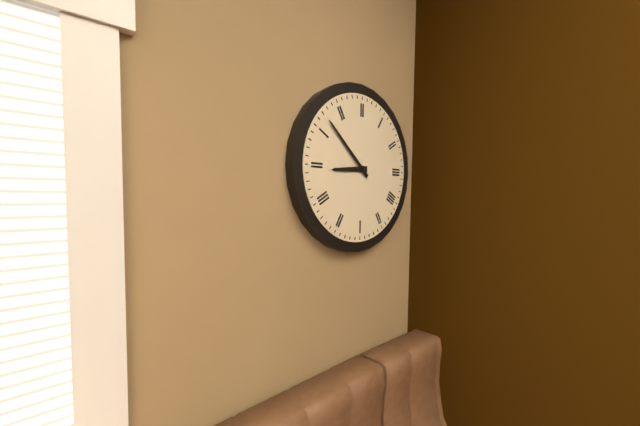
{"hour": 8, "minute": 52}
